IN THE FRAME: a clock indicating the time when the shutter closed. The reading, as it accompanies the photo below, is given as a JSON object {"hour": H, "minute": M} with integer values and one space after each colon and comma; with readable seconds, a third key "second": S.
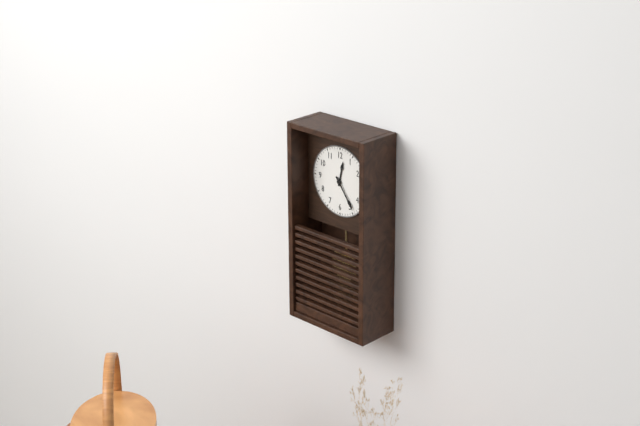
{"hour": 12, "minute": 24}
